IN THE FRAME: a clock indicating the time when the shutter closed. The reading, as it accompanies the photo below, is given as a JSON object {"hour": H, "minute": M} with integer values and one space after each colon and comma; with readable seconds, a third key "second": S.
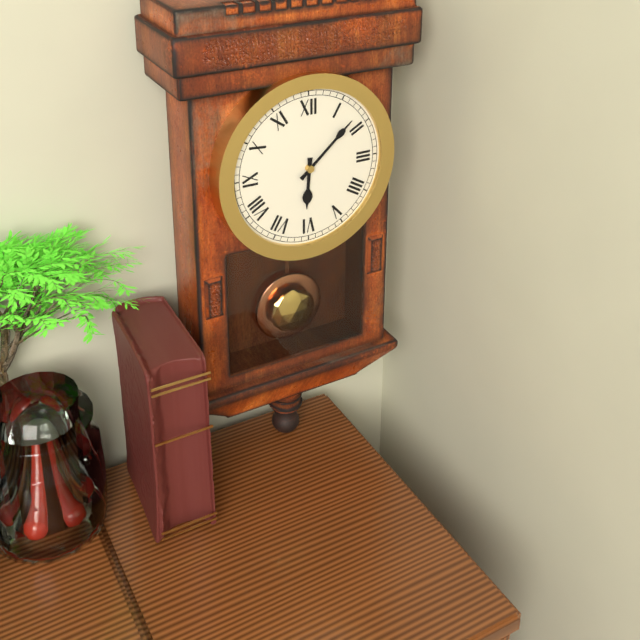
{"hour": 6, "minute": 8}
